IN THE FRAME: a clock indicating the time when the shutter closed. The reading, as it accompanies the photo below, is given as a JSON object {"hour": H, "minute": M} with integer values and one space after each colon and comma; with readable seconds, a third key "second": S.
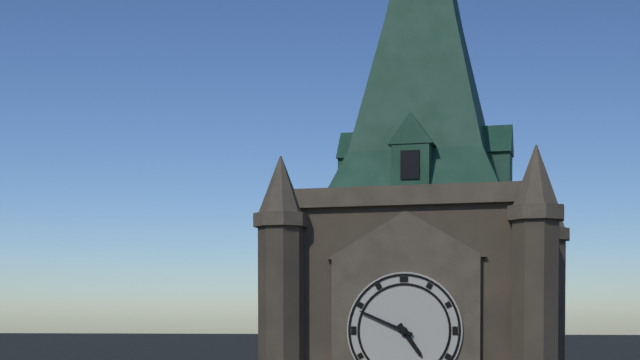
{"hour": 4, "minute": 49}
